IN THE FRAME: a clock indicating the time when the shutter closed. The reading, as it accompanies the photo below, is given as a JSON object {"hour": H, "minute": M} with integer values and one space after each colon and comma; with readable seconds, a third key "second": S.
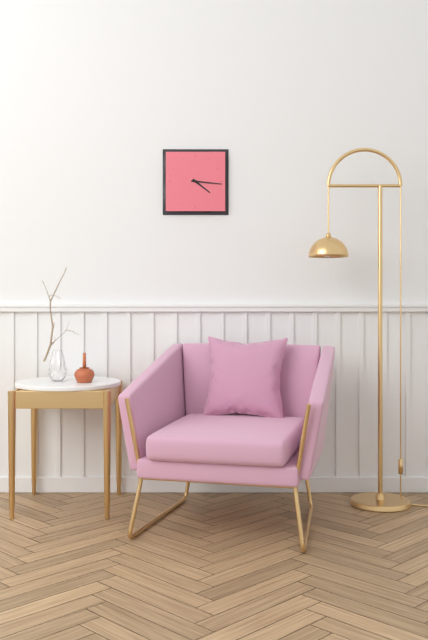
{"hour": 4, "minute": 16}
